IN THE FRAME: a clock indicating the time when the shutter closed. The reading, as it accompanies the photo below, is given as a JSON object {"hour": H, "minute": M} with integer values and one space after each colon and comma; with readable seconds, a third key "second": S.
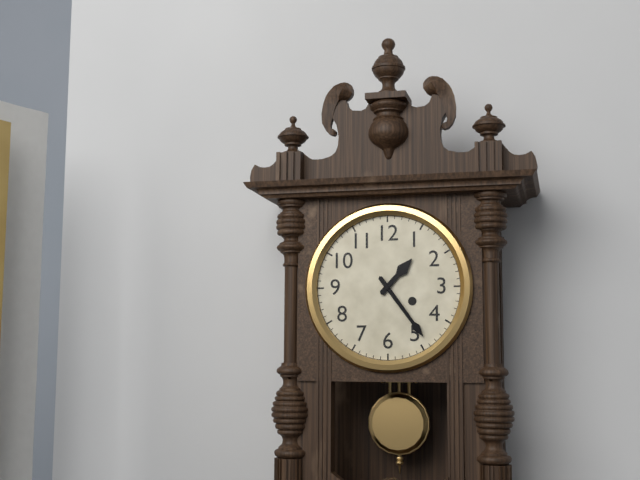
{"hour": 1, "minute": 24}
